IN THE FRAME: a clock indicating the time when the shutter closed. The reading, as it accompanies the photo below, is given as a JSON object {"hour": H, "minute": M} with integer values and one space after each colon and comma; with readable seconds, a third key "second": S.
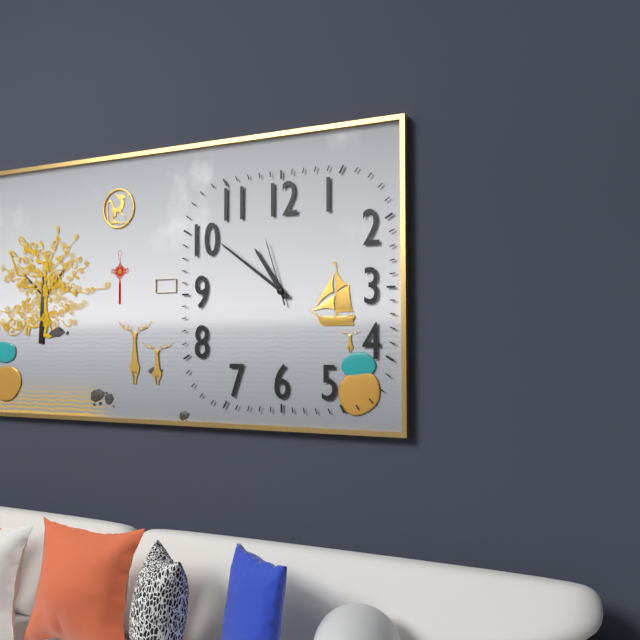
{"hour": 10, "minute": 51, "second": 57}
